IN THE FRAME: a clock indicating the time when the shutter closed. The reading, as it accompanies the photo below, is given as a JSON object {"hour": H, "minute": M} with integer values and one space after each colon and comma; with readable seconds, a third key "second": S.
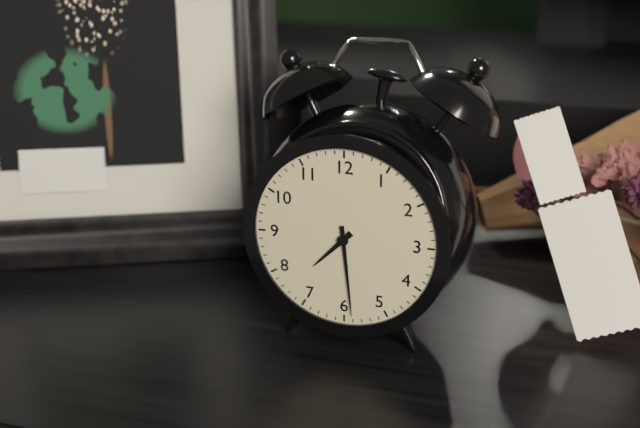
{"hour": 7, "minute": 29}
